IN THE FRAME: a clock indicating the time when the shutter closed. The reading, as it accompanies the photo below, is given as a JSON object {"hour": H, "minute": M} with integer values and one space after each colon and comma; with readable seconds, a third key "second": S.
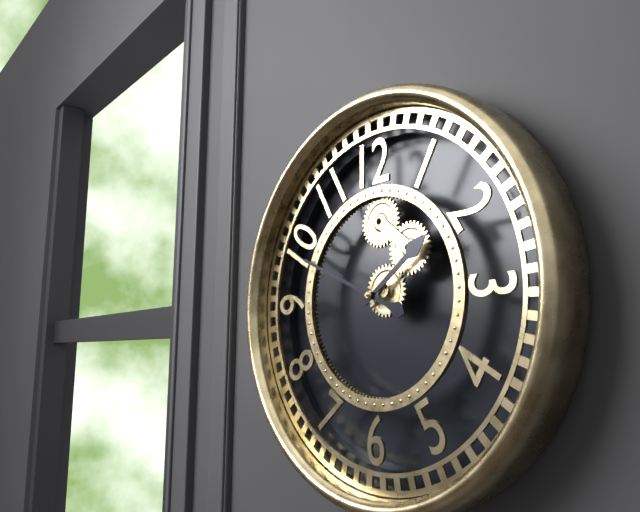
{"hour": 1, "minute": 49}
